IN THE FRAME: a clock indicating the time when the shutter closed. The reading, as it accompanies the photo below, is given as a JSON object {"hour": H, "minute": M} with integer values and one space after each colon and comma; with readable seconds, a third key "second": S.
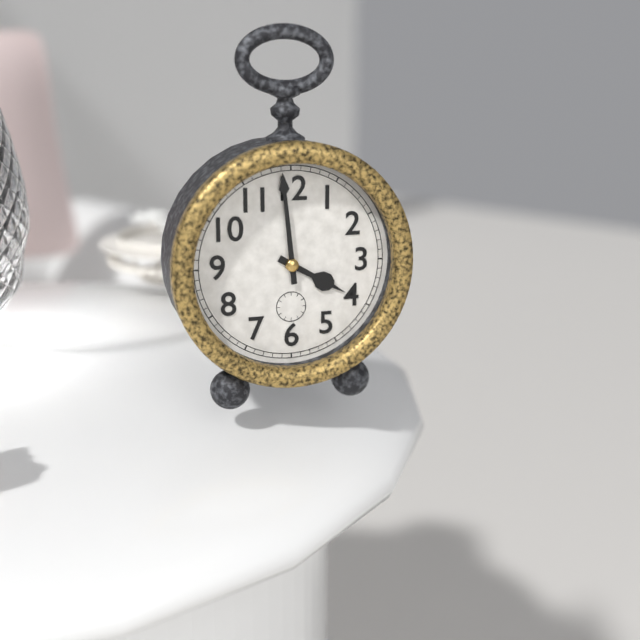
{"hour": 3, "minute": 59}
